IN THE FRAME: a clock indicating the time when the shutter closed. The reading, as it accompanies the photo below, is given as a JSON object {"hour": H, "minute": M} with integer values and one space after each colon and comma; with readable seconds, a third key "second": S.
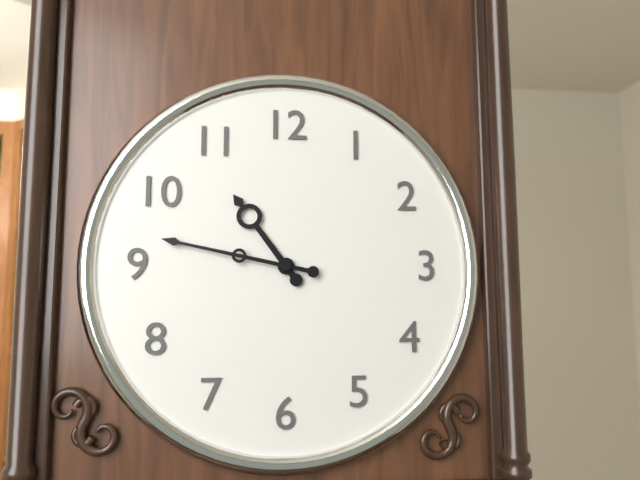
{"hour": 10, "minute": 47}
